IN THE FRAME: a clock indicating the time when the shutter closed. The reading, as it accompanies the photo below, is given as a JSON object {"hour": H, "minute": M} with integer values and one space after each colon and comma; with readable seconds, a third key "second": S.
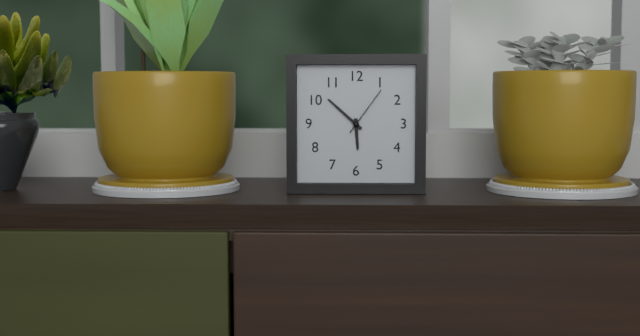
{"hour": 5, "minute": 52, "second": 6}
